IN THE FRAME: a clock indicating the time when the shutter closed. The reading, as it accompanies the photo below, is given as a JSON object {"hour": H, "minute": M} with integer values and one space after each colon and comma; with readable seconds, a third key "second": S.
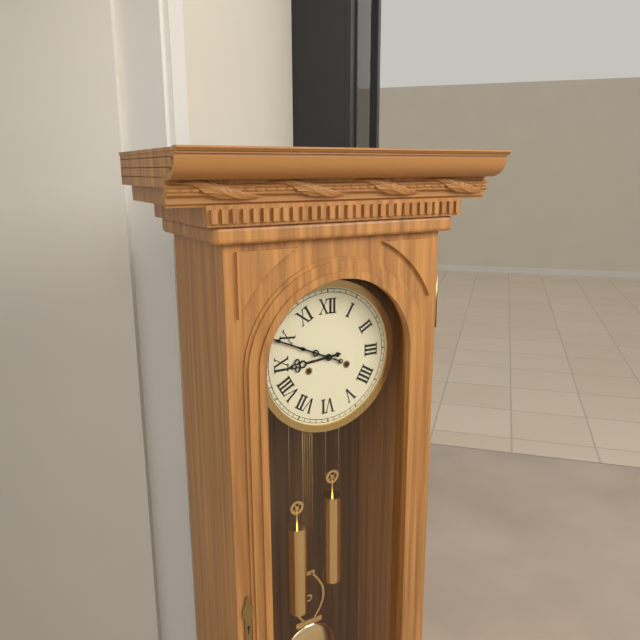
{"hour": 8, "minute": 49}
